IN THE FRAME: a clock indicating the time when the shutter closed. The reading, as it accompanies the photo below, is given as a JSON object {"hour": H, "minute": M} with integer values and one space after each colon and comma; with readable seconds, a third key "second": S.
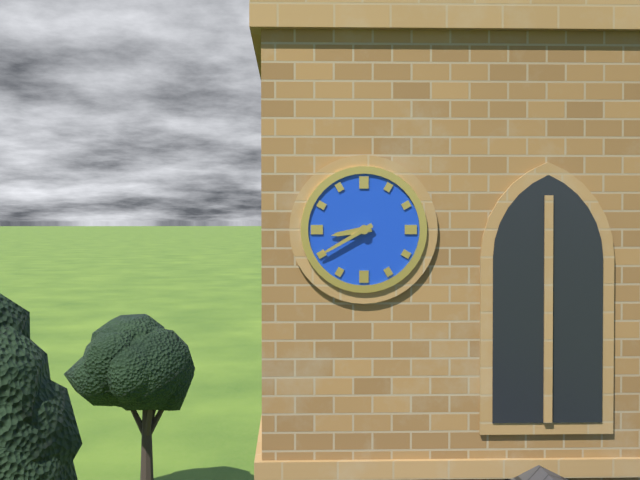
{"hour": 8, "minute": 40}
